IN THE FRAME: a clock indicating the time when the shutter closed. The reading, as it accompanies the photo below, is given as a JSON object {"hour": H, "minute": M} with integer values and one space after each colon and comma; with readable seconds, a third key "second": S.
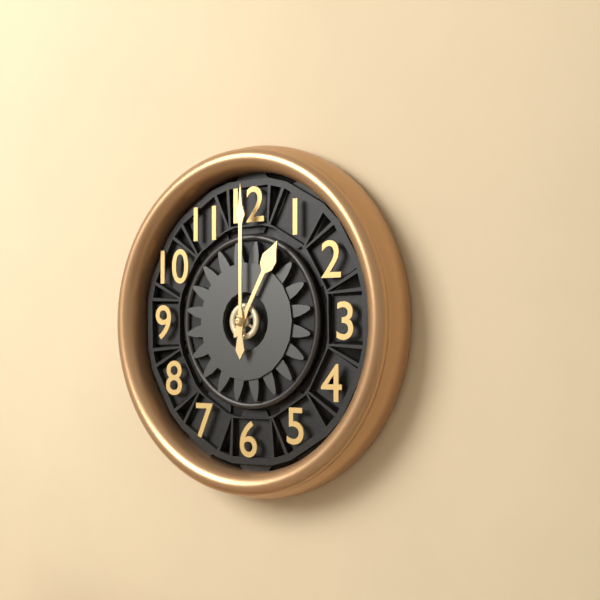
{"hour": 1, "minute": 0}
